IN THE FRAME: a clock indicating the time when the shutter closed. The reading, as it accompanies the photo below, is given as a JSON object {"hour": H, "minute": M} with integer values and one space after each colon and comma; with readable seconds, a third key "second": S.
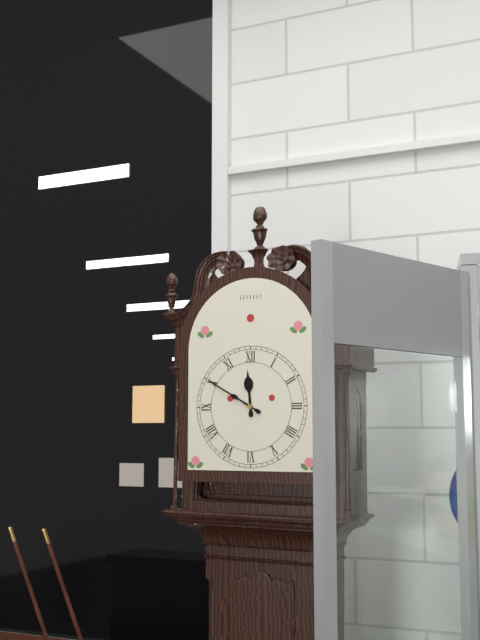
{"hour": 11, "minute": 50}
